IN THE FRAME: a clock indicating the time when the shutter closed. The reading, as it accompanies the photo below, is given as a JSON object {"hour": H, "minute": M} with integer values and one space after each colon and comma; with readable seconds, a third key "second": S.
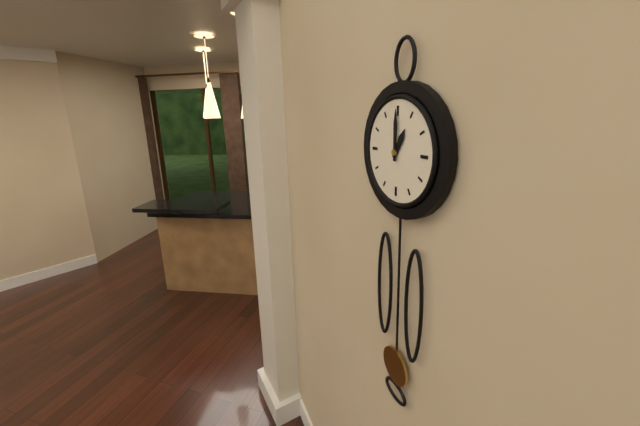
{"hour": 1, "minute": 0}
